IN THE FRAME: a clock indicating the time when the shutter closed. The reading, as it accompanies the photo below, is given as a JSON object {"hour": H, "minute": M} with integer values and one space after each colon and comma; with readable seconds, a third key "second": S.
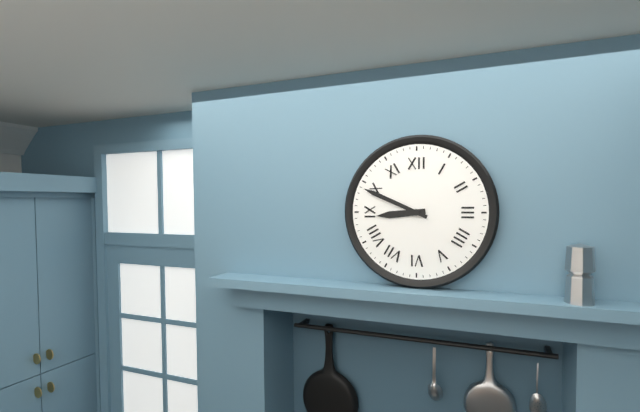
{"hour": 8, "minute": 49}
